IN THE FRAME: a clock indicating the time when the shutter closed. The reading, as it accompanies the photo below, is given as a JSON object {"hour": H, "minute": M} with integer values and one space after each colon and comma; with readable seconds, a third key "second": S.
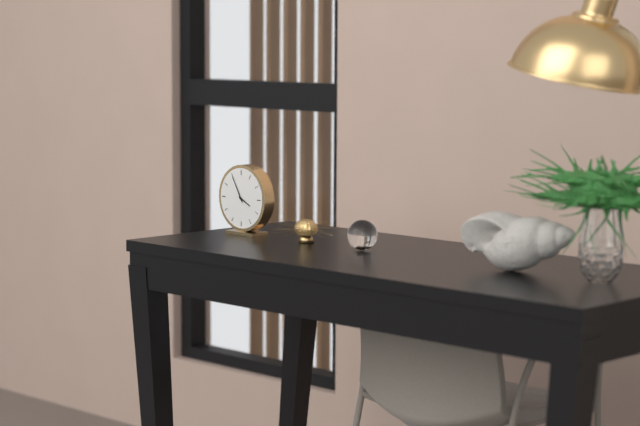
{"hour": 3, "minute": 55}
